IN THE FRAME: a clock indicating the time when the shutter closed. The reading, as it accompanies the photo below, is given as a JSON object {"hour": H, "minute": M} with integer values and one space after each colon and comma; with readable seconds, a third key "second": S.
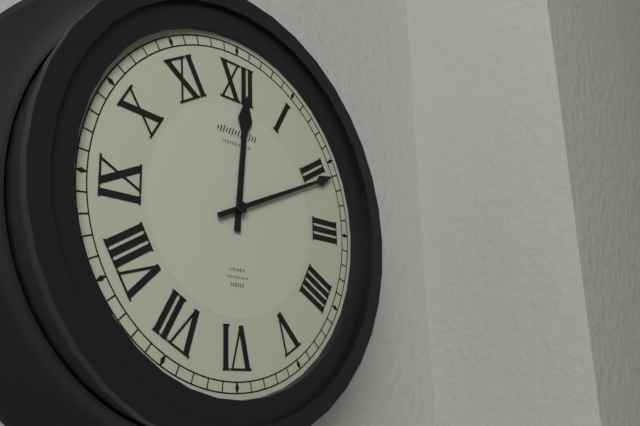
{"hour": 12, "minute": 11}
